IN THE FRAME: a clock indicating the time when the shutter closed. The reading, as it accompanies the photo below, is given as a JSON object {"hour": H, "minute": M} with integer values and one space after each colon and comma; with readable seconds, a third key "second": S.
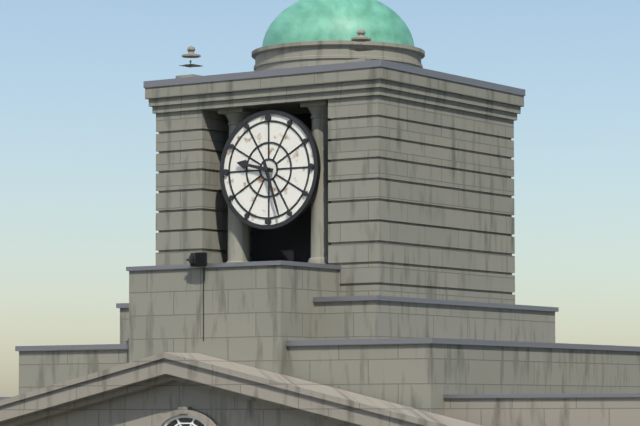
{"hour": 9, "minute": 27}
